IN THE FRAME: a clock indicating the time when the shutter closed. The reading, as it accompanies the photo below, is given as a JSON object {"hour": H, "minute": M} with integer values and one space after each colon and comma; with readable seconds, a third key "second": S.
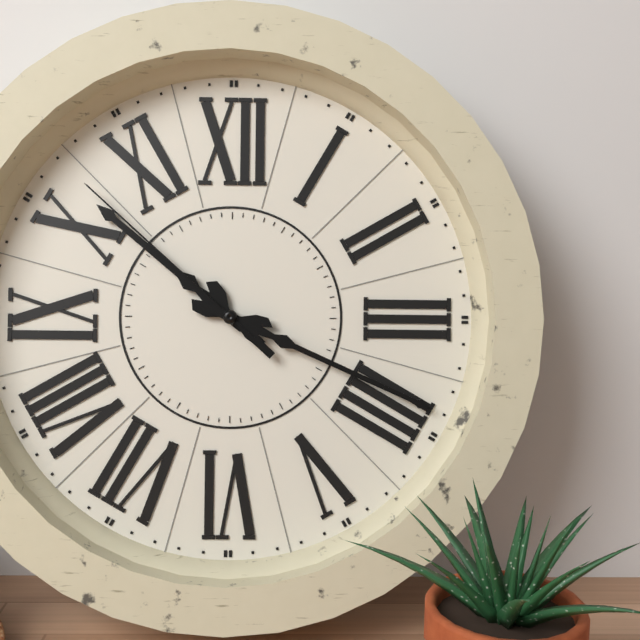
{"hour": 10, "minute": 19, "second": 52}
